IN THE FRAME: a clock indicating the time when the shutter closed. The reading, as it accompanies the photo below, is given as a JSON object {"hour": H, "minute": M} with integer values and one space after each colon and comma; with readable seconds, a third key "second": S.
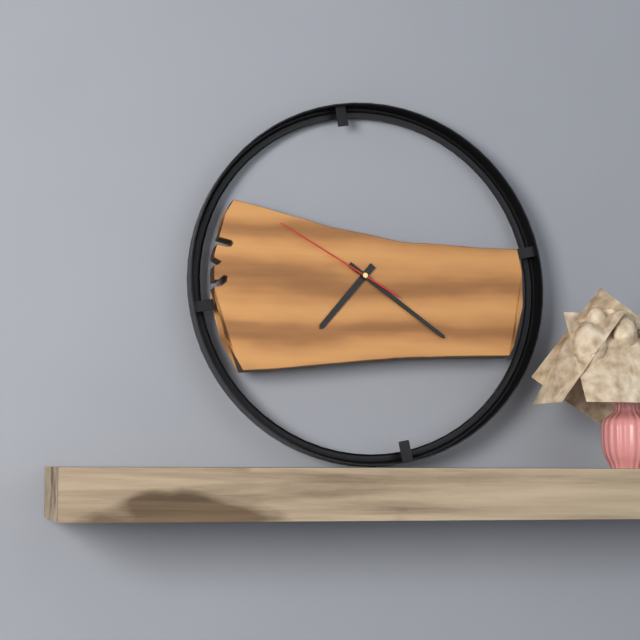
{"hour": 7, "minute": 21, "second": 50}
